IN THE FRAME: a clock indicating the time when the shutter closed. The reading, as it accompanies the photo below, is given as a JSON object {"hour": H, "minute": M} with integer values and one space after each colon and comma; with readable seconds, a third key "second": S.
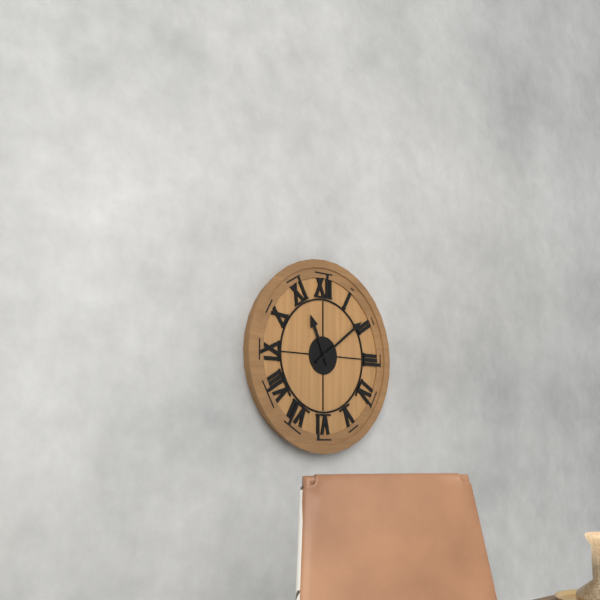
{"hour": 11, "minute": 9}
